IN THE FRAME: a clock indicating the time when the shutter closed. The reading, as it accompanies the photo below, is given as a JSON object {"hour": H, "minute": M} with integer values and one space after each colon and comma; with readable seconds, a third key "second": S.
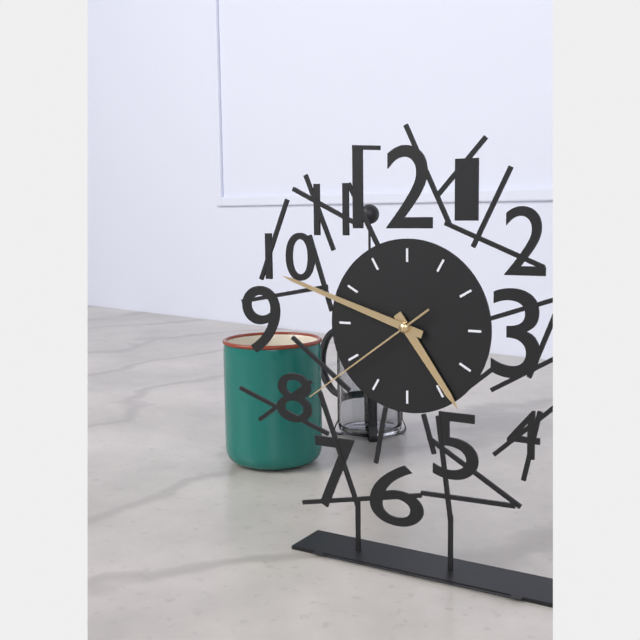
{"hour": 4, "minute": 48, "second": 39}
